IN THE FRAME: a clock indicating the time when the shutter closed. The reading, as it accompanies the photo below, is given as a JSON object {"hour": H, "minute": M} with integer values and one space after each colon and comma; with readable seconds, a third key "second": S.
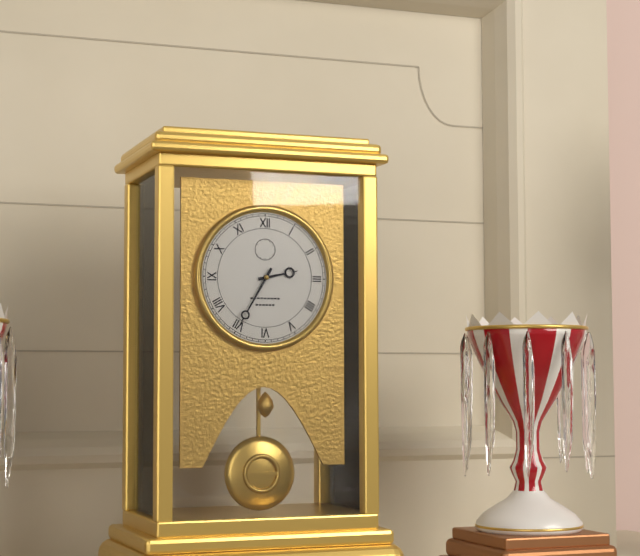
{"hour": 2, "minute": 35}
